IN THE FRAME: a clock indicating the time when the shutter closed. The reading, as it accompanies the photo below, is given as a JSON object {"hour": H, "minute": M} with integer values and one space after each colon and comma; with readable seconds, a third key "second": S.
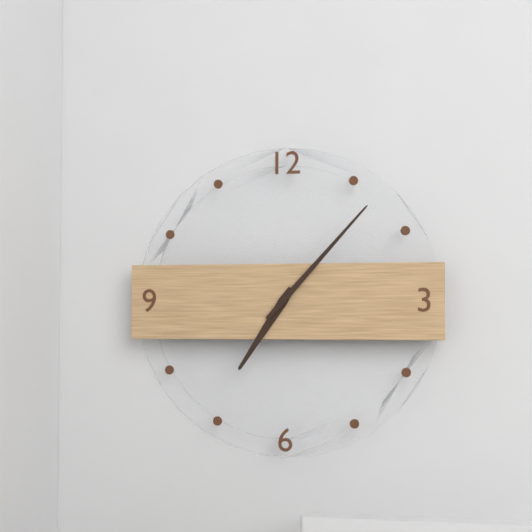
{"hour": 7, "minute": 7}
